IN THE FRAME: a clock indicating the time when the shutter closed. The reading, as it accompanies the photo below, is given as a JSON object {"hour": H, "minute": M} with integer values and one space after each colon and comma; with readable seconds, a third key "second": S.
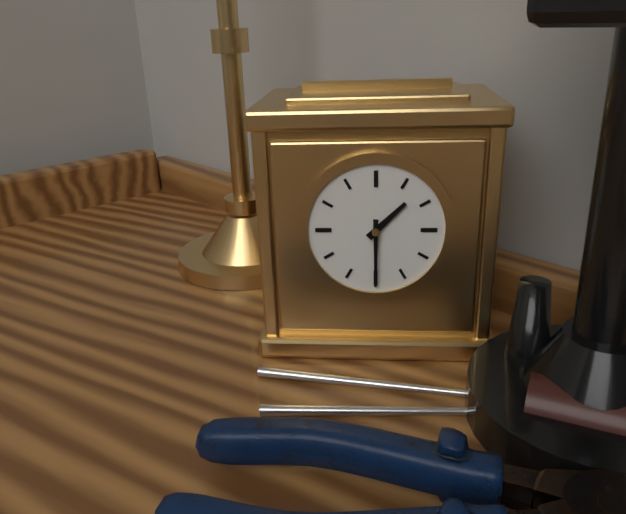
{"hour": 1, "minute": 30}
